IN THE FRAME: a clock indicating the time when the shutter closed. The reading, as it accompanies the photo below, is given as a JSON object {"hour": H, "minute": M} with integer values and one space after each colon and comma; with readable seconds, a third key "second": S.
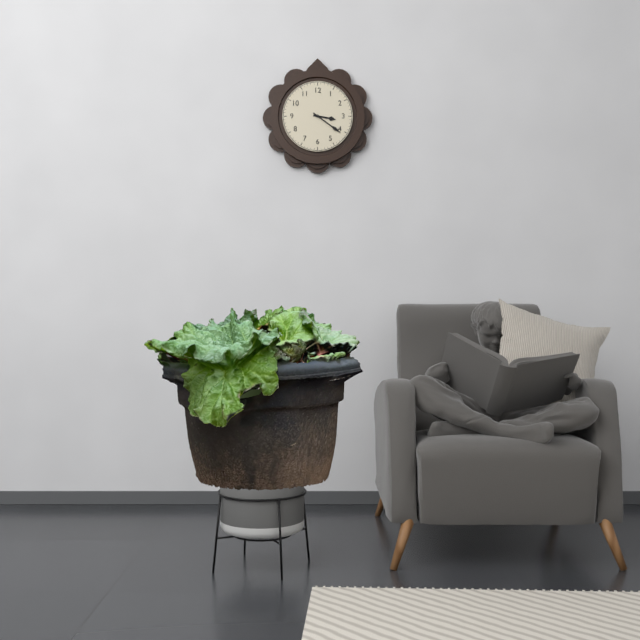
{"hour": 3, "minute": 21}
